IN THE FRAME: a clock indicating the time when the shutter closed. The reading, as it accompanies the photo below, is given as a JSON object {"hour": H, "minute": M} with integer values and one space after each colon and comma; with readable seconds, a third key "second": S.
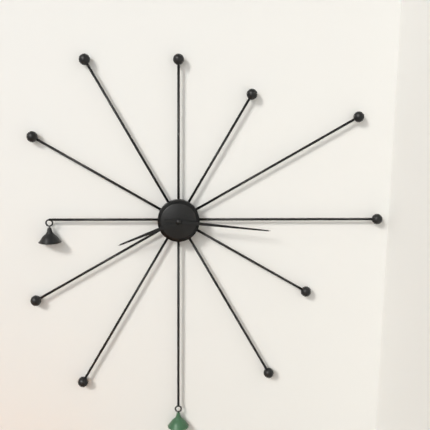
{"hour": 8, "minute": 16}
